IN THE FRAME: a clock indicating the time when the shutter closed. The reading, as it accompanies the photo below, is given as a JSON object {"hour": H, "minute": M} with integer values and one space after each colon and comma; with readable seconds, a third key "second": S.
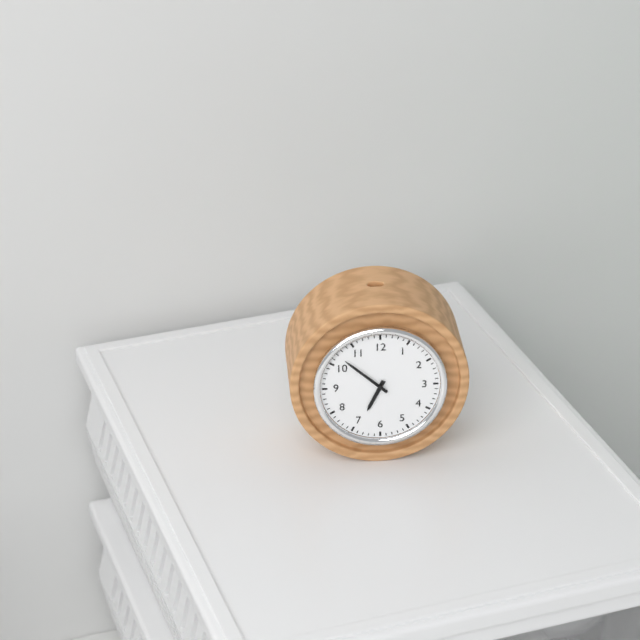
{"hour": 6, "minute": 52}
